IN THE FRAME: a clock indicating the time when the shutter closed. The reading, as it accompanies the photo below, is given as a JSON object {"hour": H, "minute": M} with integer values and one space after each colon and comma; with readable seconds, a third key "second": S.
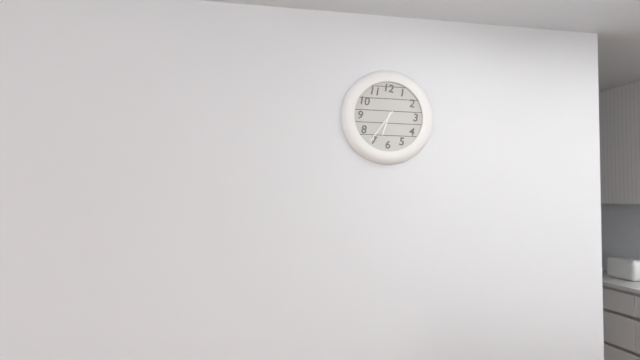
{"hour": 6, "minute": 36}
